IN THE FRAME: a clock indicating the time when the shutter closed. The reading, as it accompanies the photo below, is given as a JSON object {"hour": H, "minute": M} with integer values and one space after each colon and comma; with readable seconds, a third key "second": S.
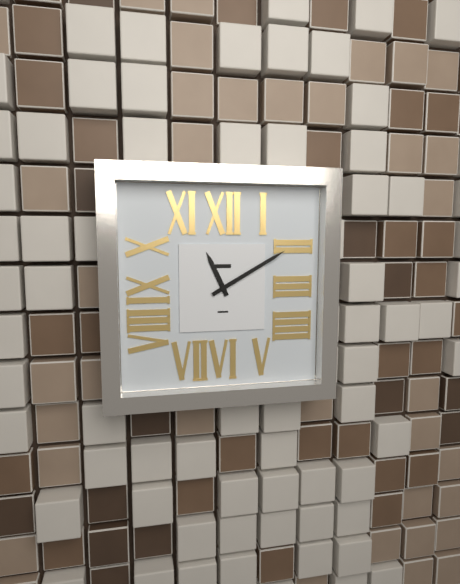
{"hour": 11, "minute": 10}
